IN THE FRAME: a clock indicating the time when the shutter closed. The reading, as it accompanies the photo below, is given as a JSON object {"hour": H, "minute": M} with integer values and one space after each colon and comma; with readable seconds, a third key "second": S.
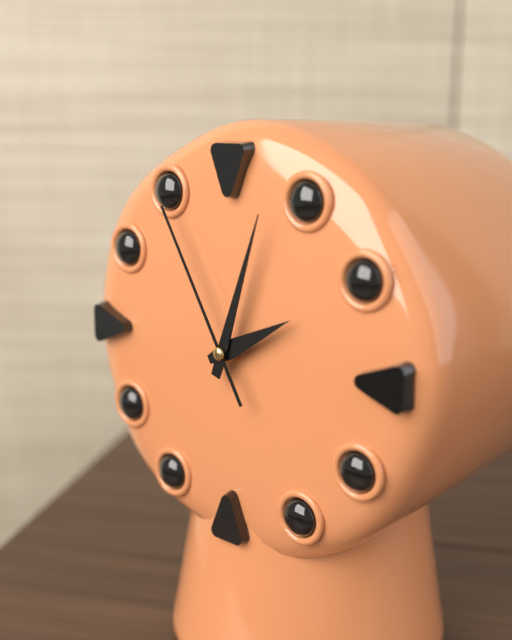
{"hour": 2, "minute": 3, "second": 55}
